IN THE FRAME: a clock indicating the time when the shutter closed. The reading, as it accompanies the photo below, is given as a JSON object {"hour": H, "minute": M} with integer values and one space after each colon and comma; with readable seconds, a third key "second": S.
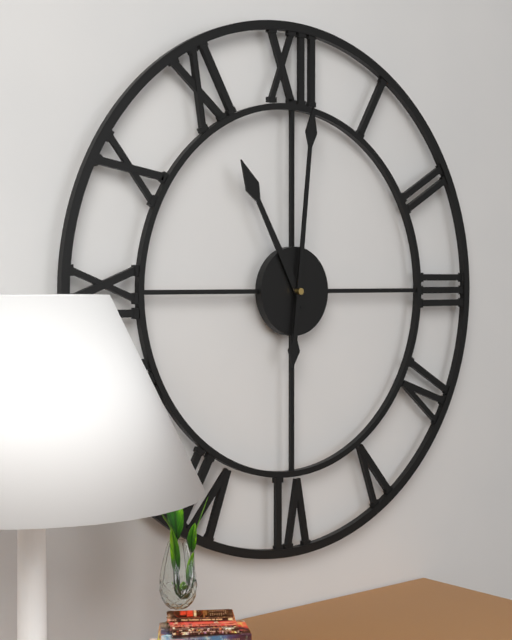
{"hour": 11, "minute": 1}
